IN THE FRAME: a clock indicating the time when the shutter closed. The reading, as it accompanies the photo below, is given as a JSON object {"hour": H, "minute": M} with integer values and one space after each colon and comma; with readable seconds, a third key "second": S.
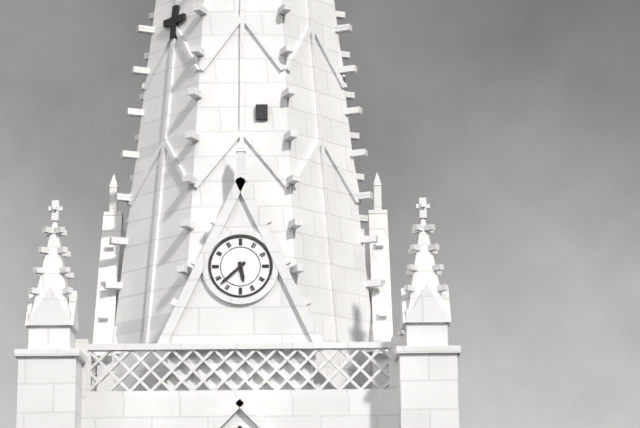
{"hour": 5, "minute": 38}
